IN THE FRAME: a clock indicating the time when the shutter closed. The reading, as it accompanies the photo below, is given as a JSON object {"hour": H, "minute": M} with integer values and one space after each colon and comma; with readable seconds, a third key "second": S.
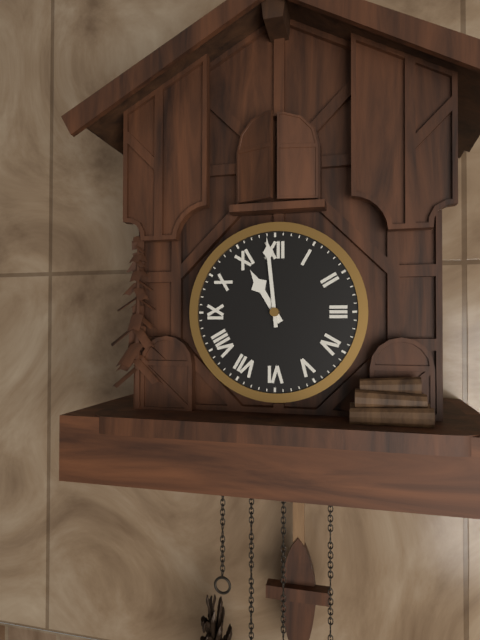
{"hour": 10, "minute": 59}
